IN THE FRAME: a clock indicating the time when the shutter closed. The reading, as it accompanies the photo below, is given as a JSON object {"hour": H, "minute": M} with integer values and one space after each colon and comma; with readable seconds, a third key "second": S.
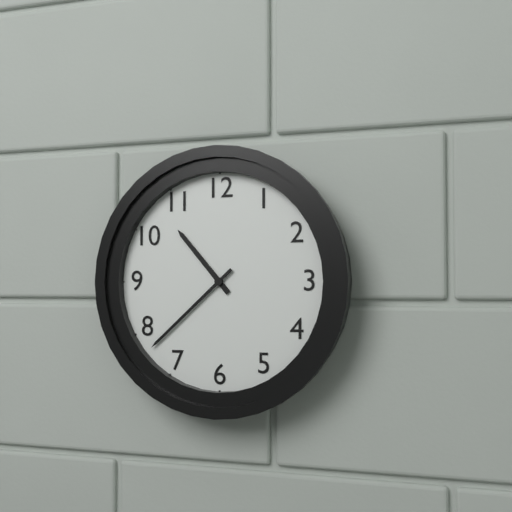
{"hour": 10, "minute": 38}
